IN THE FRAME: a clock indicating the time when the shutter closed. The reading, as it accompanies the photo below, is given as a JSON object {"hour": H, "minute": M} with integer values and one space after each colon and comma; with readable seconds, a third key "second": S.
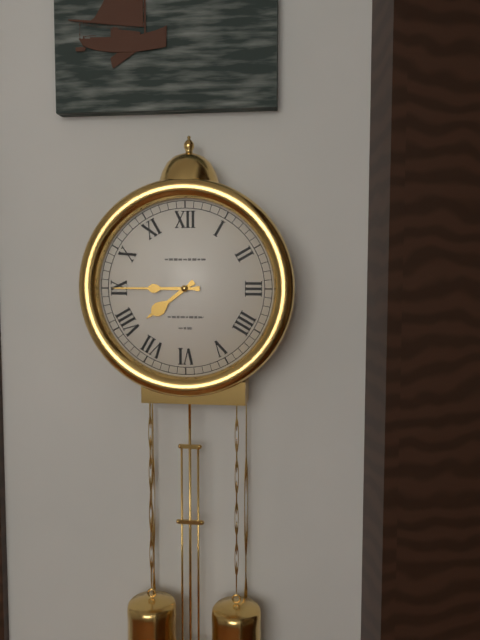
{"hour": 7, "minute": 45}
